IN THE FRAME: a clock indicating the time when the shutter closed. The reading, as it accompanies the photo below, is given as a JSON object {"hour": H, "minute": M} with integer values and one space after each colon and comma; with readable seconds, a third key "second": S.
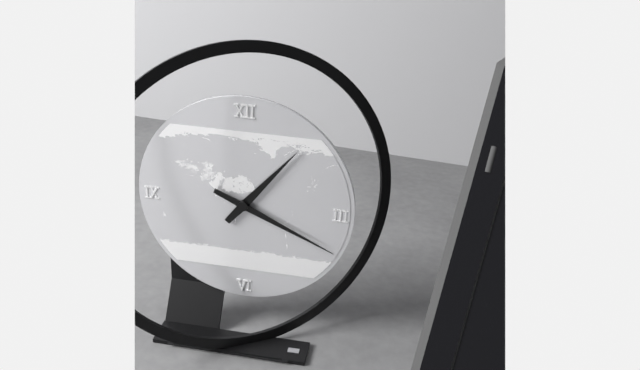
{"hour": 1, "minute": 19}
